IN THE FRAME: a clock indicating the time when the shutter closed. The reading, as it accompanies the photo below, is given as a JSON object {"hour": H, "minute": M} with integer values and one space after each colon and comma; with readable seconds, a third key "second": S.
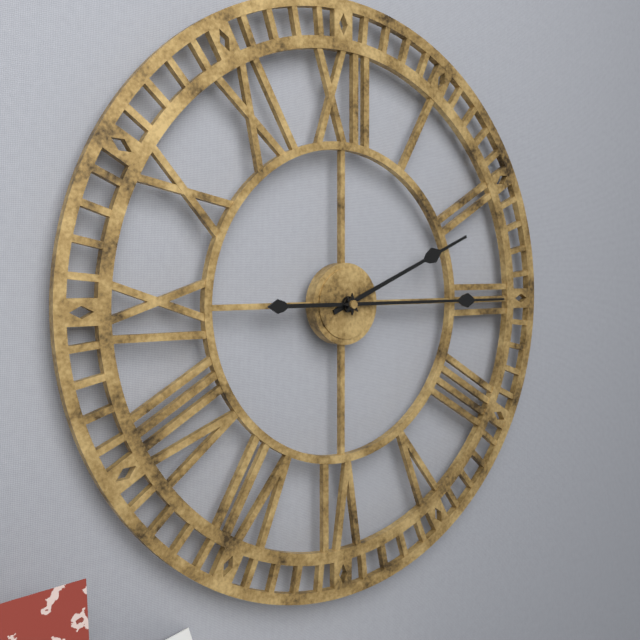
{"hour": 2, "minute": 15}
